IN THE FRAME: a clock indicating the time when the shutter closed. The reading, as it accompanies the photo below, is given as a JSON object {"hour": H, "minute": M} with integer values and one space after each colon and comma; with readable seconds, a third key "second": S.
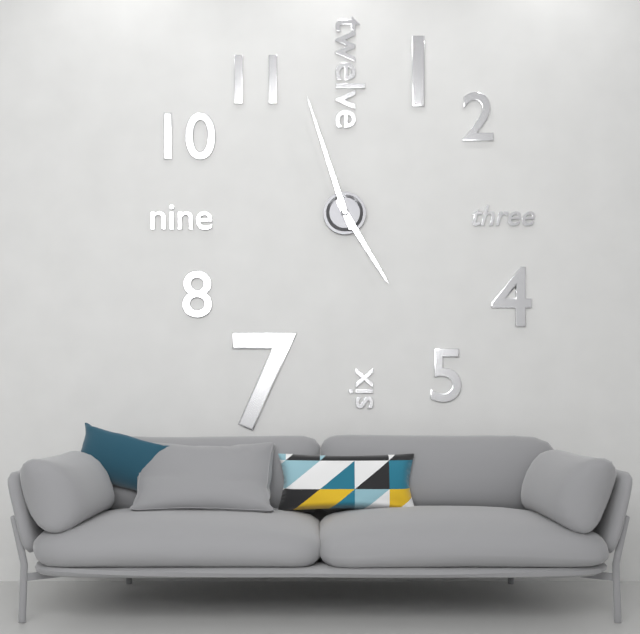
{"hour": 4, "minute": 57}
